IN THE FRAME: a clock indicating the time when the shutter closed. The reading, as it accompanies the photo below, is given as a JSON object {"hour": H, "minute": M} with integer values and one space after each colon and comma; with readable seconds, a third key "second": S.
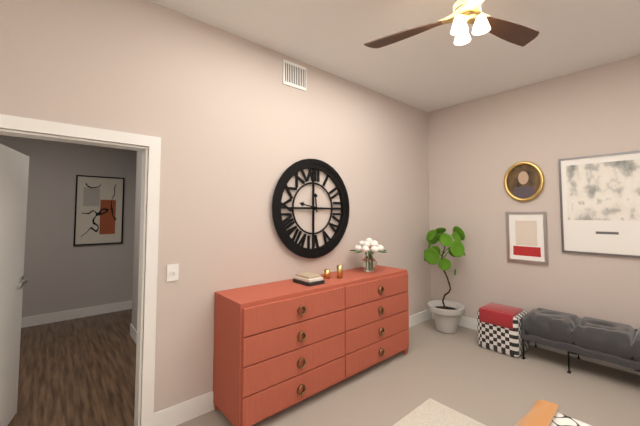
{"hour": 11, "minute": 47}
